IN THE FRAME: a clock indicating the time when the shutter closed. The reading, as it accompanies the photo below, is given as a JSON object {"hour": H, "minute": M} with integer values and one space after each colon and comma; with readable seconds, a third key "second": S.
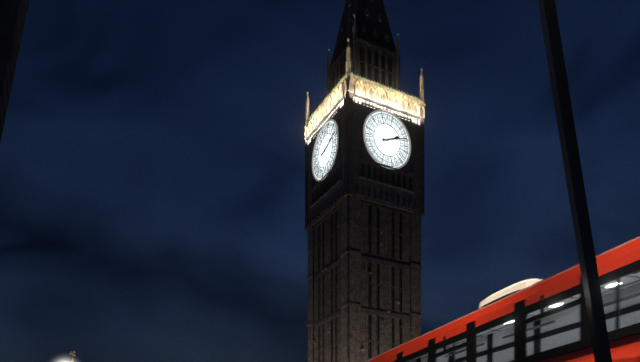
{"hour": 2, "minute": 12}
